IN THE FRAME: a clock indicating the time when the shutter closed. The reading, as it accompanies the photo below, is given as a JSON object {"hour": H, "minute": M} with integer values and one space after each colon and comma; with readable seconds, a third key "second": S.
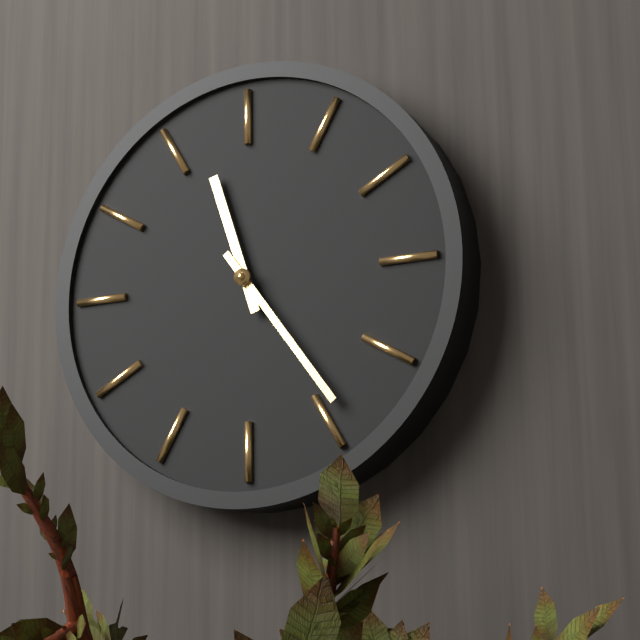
{"hour": 11, "minute": 24}
